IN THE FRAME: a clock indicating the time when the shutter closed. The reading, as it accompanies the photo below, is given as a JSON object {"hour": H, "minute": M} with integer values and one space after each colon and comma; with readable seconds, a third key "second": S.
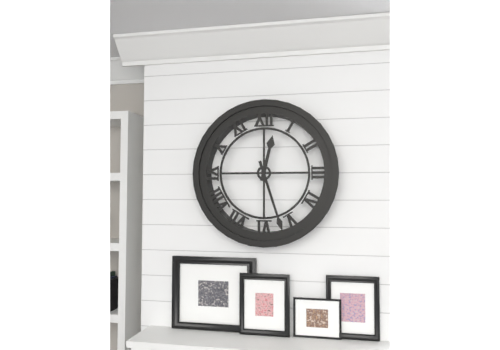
{"hour": 12, "minute": 27}
